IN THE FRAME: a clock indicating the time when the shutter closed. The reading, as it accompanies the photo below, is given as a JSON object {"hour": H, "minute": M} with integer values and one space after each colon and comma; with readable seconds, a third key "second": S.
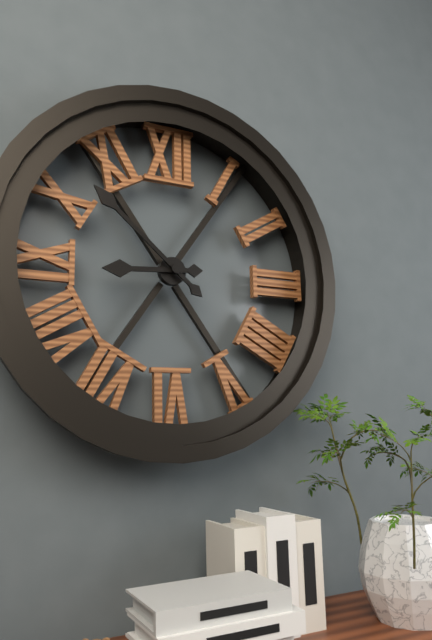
{"hour": 8, "minute": 52}
